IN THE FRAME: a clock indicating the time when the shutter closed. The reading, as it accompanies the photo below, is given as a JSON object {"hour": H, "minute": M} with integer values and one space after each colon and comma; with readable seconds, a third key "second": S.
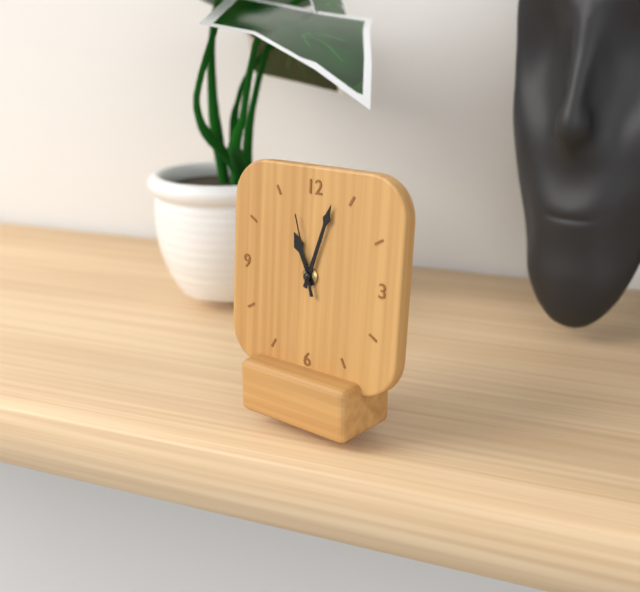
{"hour": 11, "minute": 3, "second": 57}
